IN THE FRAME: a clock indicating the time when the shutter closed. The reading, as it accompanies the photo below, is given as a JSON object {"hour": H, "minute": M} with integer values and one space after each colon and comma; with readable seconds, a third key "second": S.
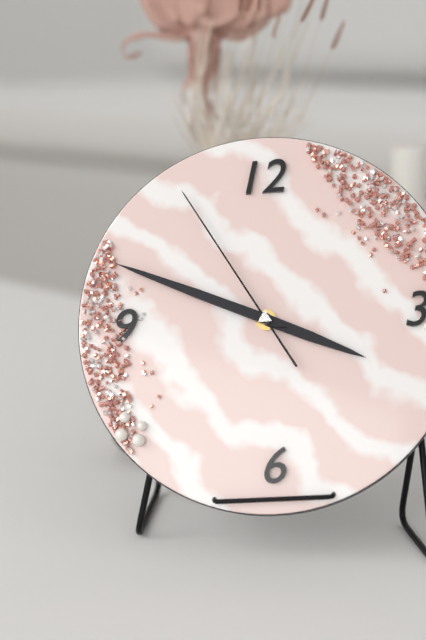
{"hour": 3, "minute": 49, "second": 55}
